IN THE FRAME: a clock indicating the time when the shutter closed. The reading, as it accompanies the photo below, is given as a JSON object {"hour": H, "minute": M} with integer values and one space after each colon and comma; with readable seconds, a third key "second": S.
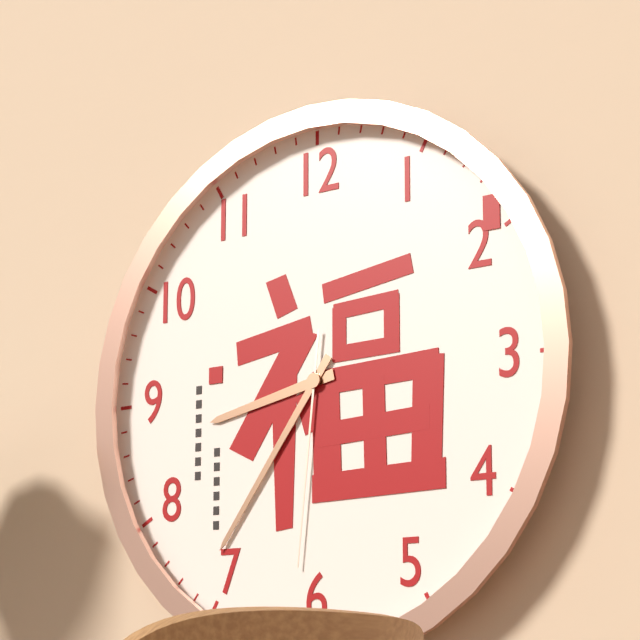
{"hour": 8, "minute": 36, "second": 31}
